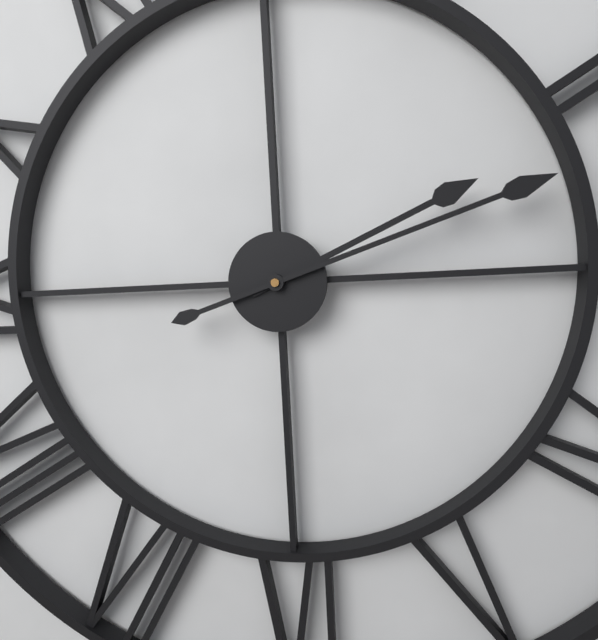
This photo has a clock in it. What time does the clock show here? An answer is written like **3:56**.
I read **2:12**
